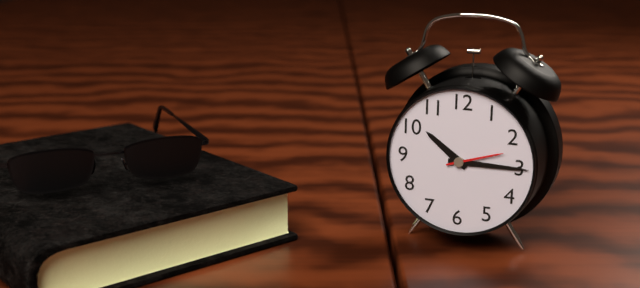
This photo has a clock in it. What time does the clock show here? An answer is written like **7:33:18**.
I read **10:15:12**
